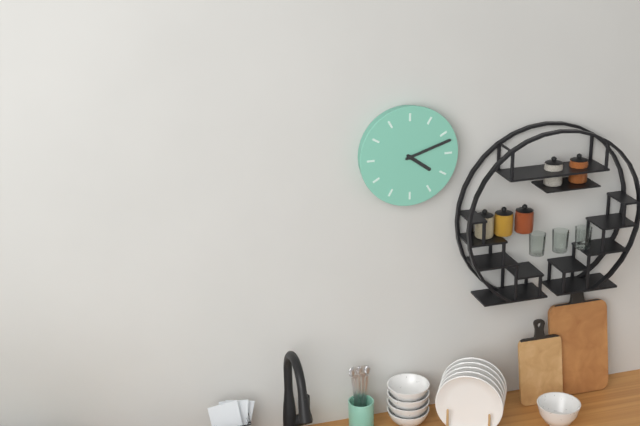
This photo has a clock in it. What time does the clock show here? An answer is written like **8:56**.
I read **4:12**
